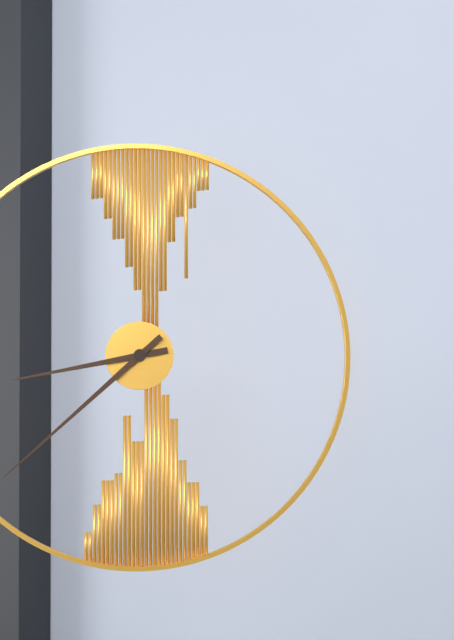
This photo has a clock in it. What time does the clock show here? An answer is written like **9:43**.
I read **8:38**
